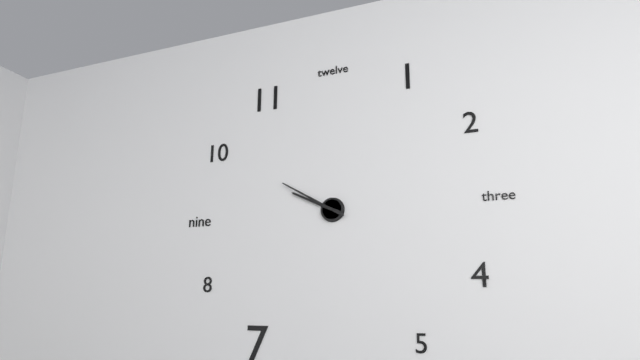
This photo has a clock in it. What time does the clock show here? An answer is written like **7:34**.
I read **9:50**
